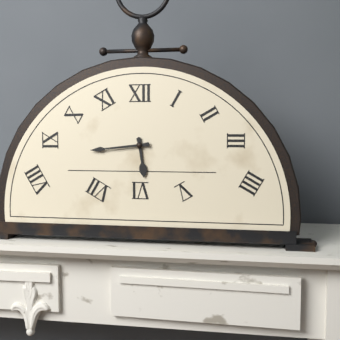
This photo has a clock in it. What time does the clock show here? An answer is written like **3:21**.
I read **5:44**
